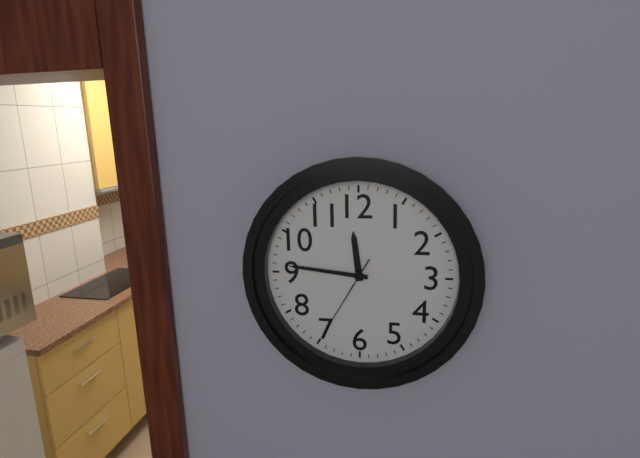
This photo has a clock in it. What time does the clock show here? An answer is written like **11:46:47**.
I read **11:46:35**
